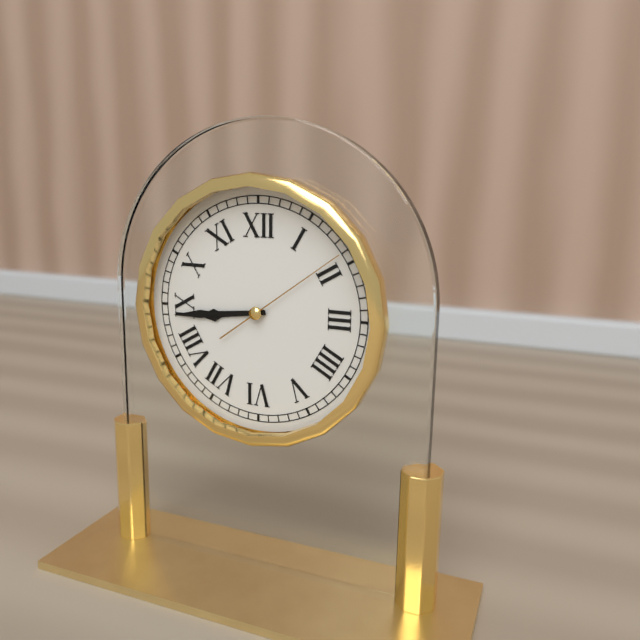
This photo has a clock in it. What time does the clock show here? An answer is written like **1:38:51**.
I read **8:44:09**
